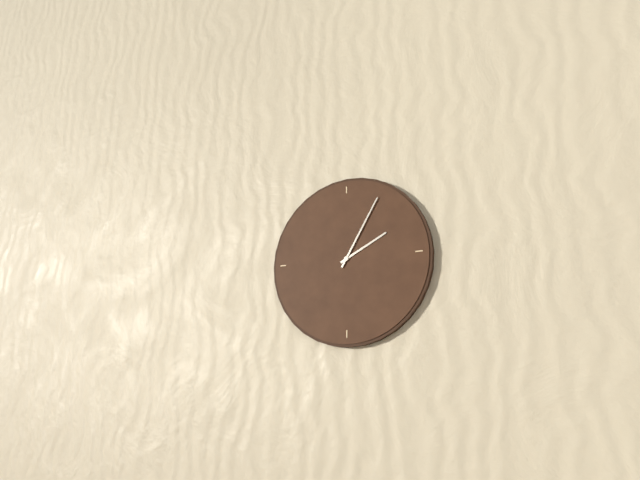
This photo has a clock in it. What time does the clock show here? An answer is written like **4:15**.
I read **2:05**
